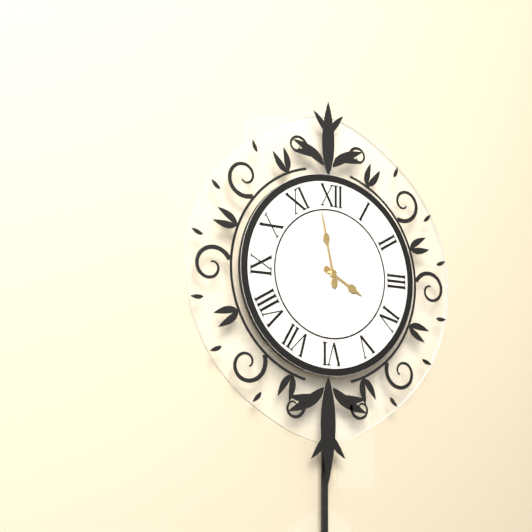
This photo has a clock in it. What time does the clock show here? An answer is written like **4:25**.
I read **3:58**
